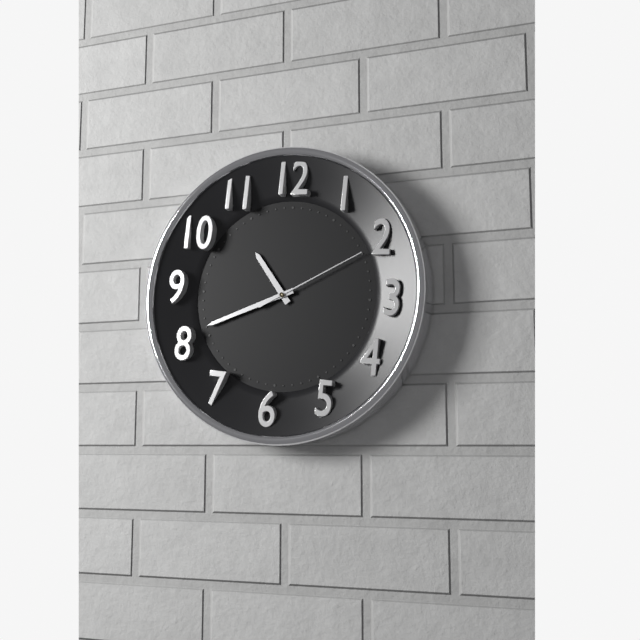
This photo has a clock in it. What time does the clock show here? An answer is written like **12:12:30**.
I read **10:41:10**
